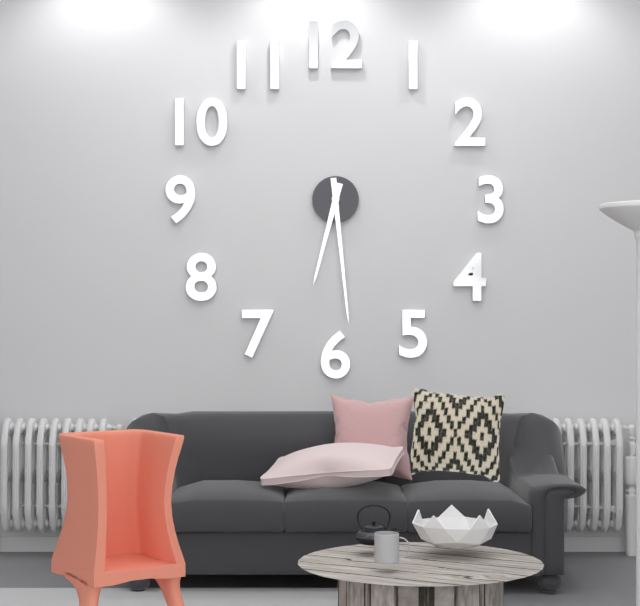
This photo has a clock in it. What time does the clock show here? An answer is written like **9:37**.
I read **6:29**
